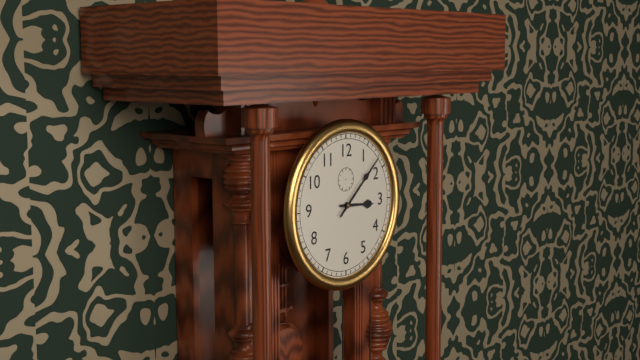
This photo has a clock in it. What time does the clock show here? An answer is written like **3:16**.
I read **3:08**
